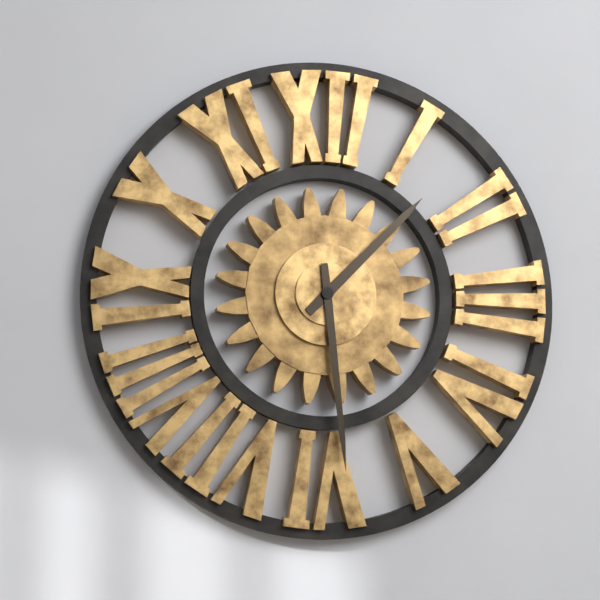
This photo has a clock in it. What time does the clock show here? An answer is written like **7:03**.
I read **1:29**
